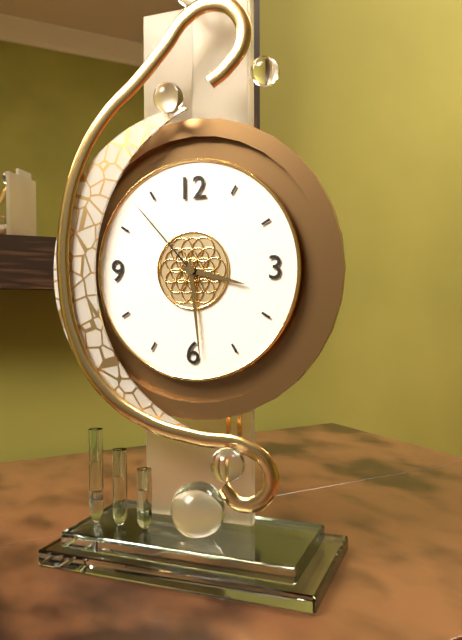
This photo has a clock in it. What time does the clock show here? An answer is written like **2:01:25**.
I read **3:29:53**
